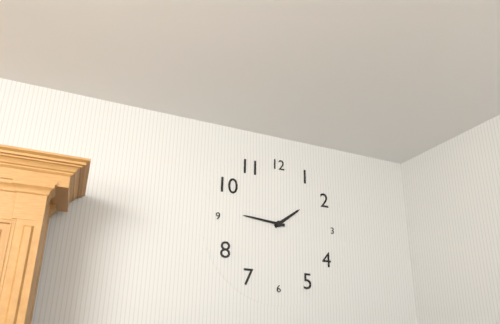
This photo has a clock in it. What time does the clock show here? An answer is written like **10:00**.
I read **1:46**
